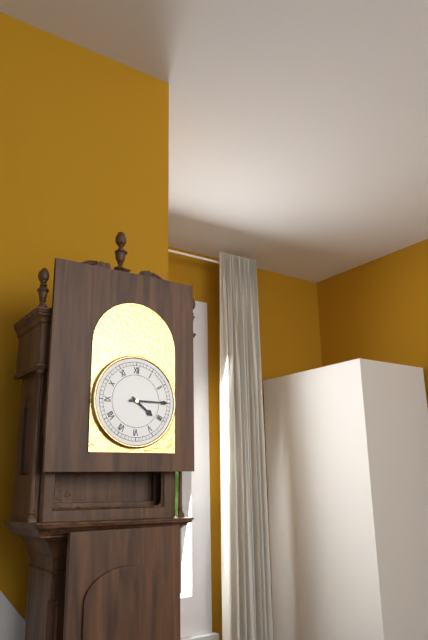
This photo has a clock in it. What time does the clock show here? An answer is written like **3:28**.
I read **4:15**
